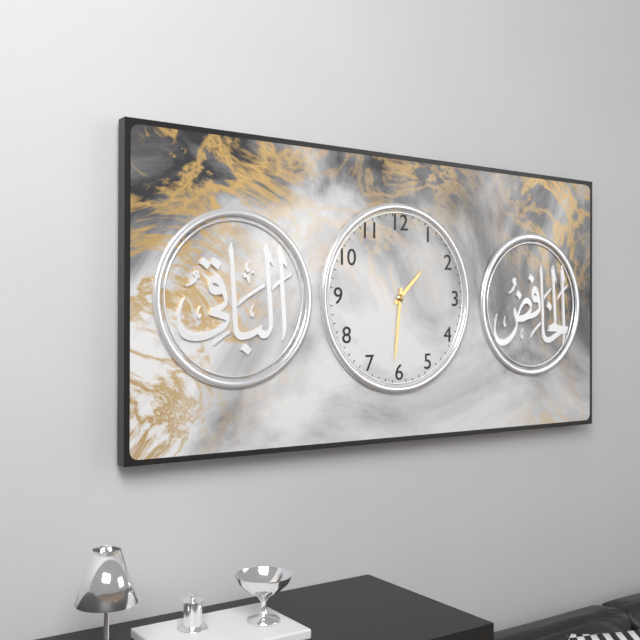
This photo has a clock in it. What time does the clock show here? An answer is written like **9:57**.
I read **1:31**
